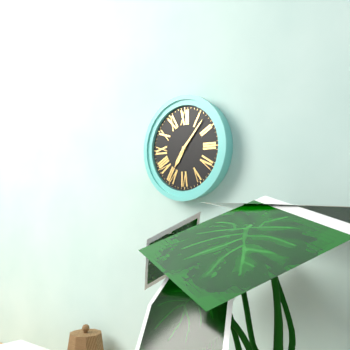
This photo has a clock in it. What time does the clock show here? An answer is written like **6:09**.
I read **7:07**
